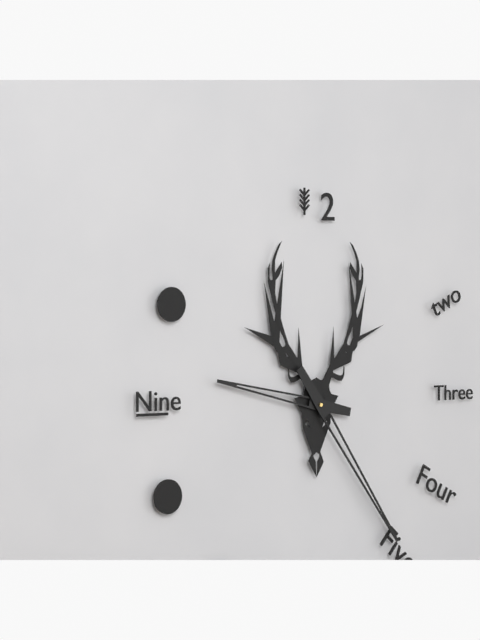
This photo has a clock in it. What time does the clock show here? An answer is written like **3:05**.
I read **9:24**
